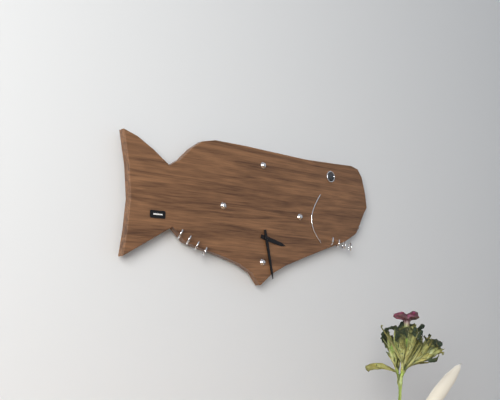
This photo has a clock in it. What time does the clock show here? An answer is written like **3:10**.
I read **3:28**
